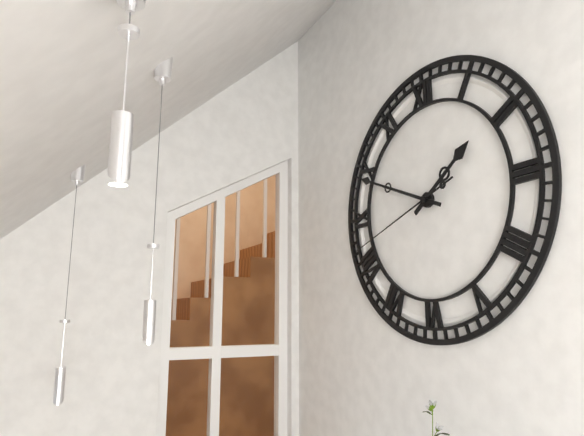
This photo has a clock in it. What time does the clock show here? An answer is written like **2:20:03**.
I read **1:49:42**
